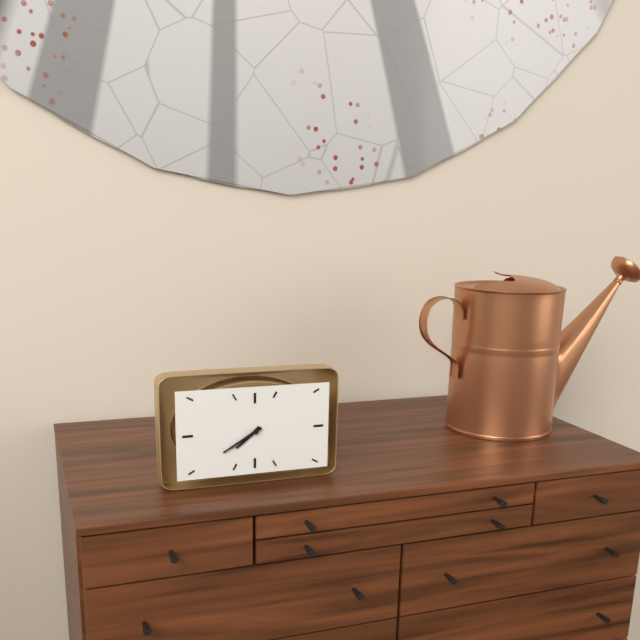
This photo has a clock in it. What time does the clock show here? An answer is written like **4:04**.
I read **7:40**
